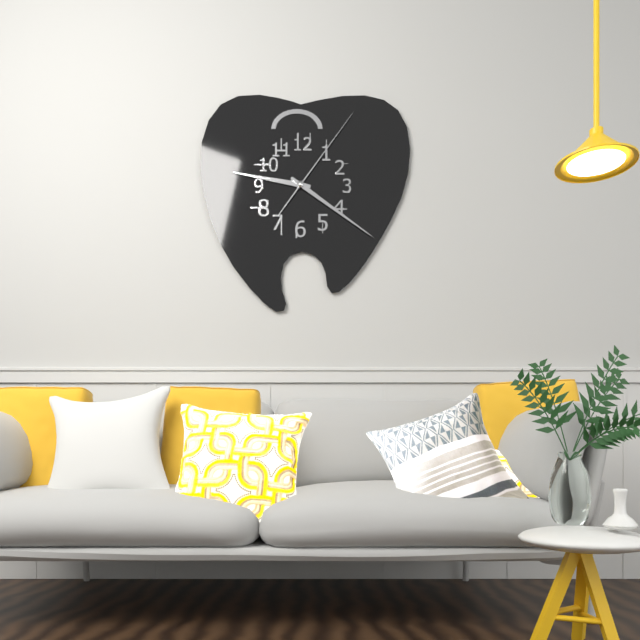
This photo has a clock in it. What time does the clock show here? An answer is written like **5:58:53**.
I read **9:21:06**
